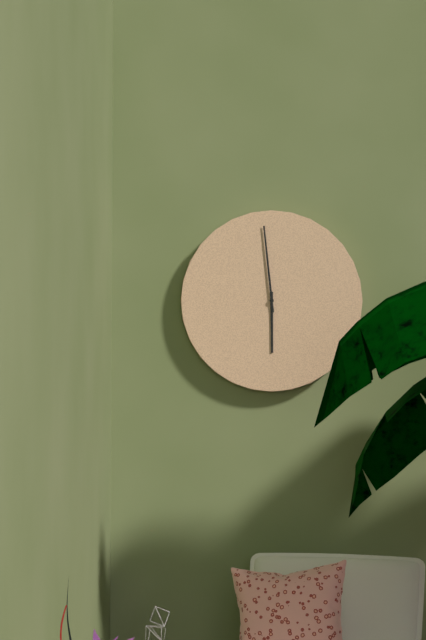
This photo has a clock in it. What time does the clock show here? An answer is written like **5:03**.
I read **5:59**
